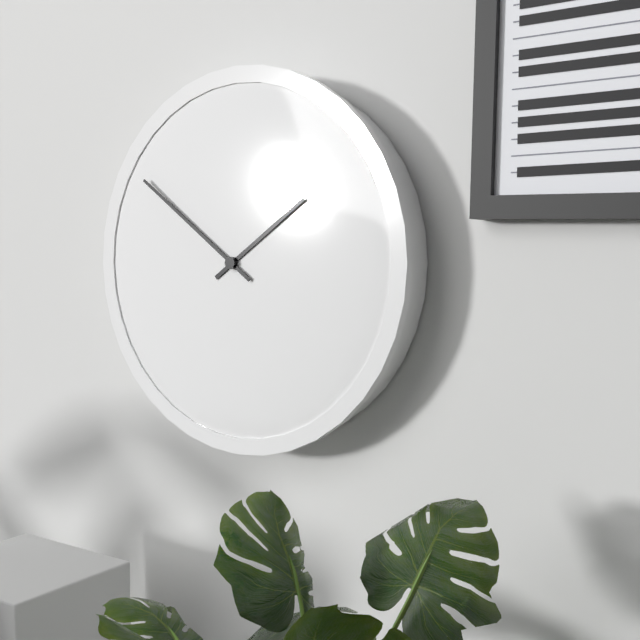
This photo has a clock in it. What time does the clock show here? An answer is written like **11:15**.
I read **1:51**
